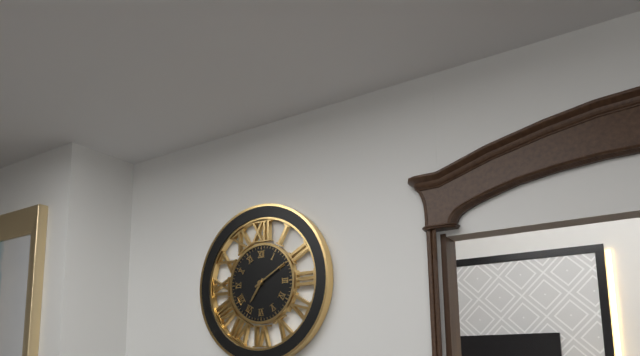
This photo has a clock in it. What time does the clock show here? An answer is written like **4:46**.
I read **7:10**
